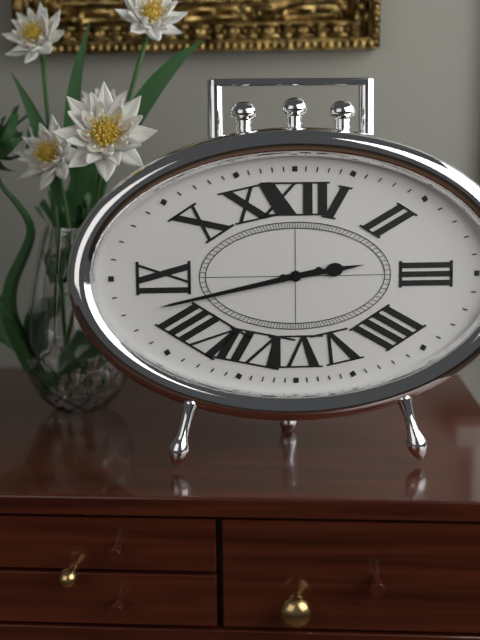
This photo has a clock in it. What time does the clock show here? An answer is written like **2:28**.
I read **2:43**
